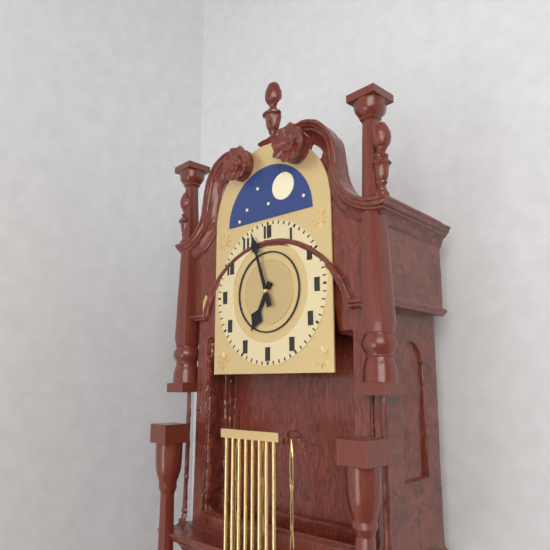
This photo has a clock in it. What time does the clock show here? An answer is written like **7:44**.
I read **6:57**
